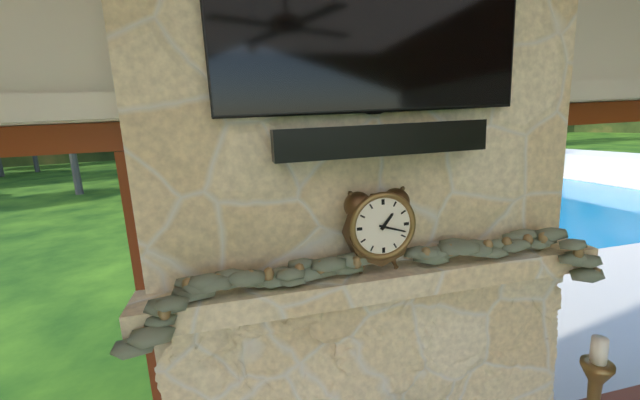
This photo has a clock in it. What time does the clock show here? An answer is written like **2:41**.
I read **1:18**
